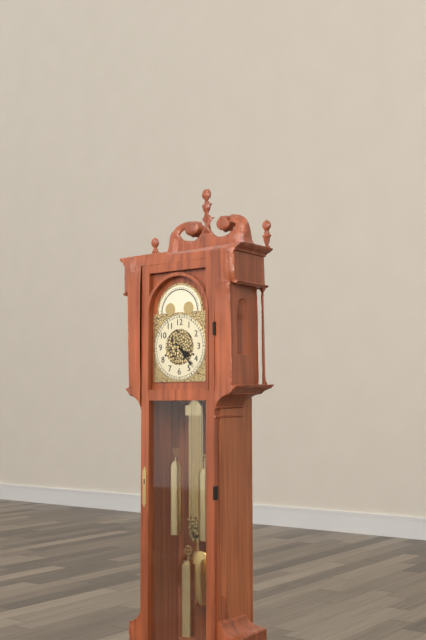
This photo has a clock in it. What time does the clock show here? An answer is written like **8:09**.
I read **4:23**
